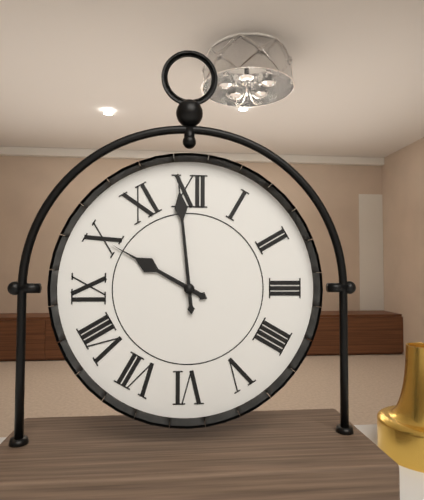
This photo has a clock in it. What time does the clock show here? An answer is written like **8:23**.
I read **9:59**
